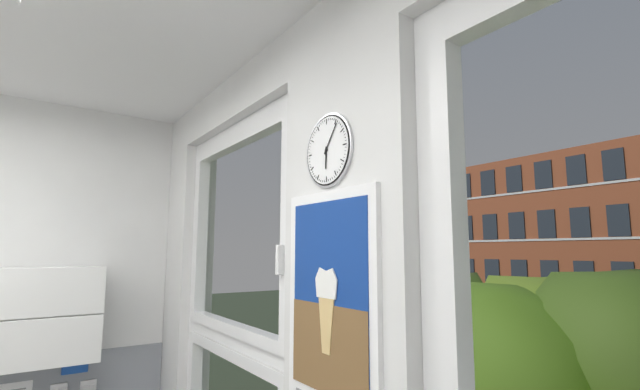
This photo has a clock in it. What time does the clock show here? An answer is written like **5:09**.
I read **6:06**
